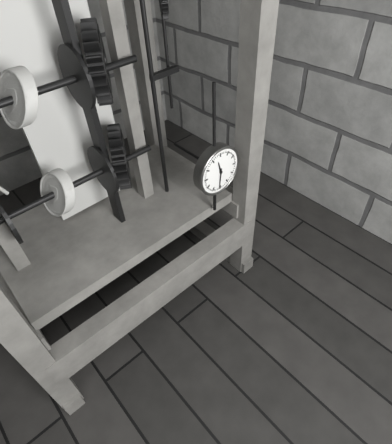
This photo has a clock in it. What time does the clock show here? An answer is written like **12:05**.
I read **11:31**
